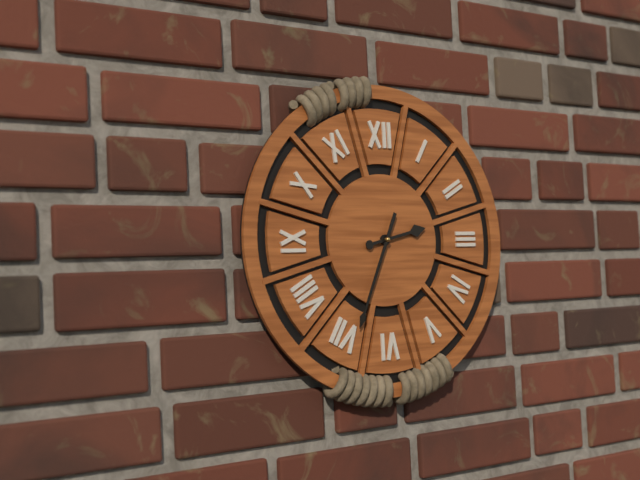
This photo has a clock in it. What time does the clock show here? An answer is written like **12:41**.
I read **2:34**
